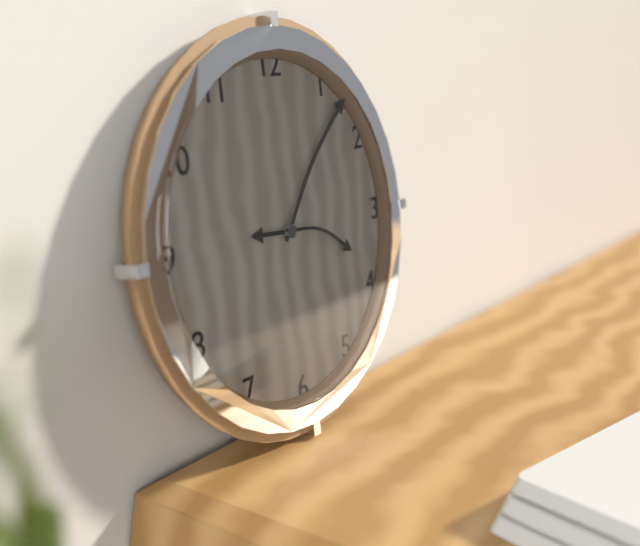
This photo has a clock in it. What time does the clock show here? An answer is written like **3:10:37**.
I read **9:07:18**
